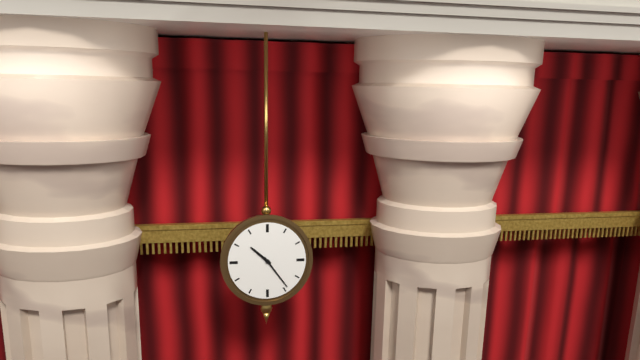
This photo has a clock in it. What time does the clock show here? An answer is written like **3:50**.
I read **10:24**
